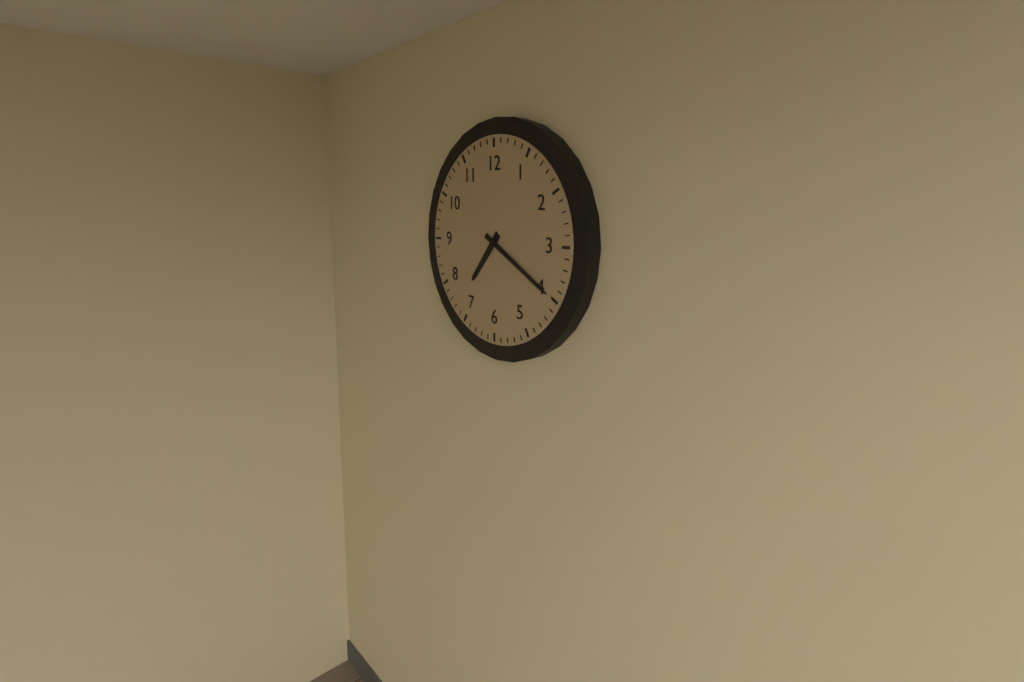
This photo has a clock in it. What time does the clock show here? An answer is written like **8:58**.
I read **7:20**
